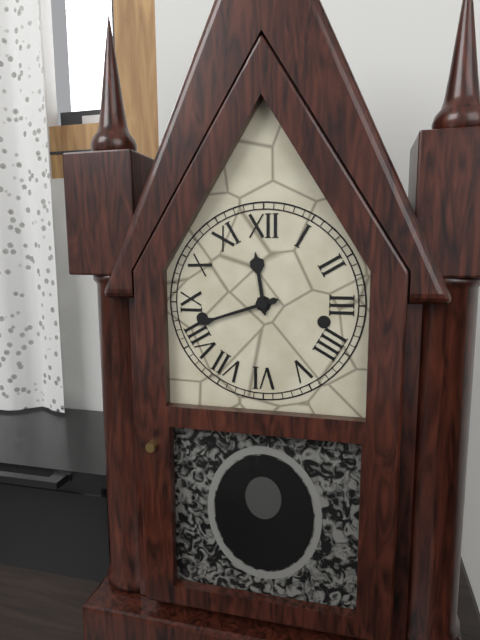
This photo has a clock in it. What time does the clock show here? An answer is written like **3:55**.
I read **11:42**
